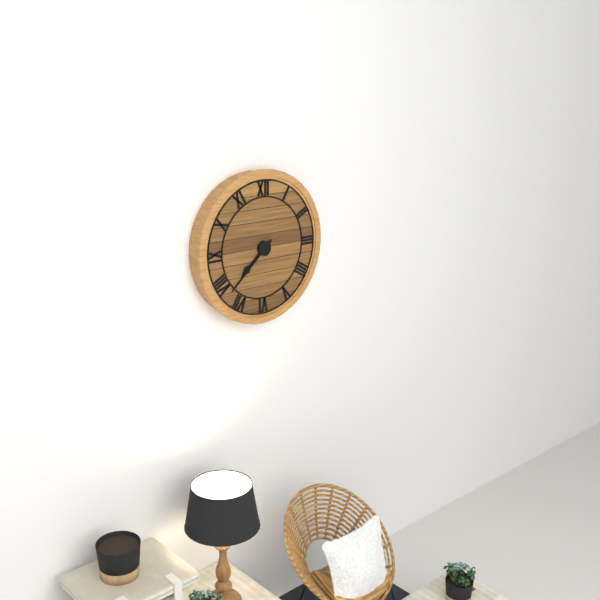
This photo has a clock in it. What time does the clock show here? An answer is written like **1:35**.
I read **7:38**
